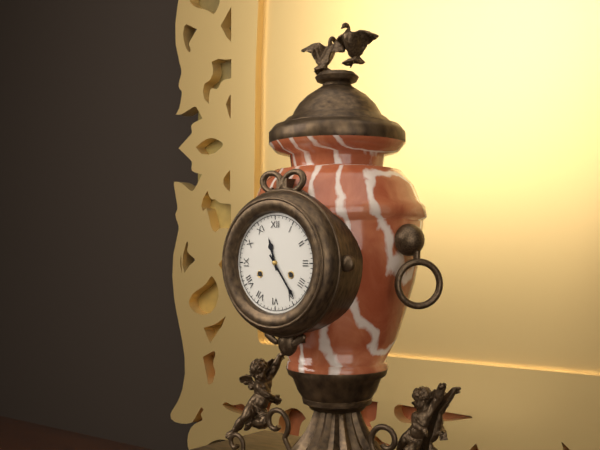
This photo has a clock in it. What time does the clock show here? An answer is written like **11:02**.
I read **11:24**
